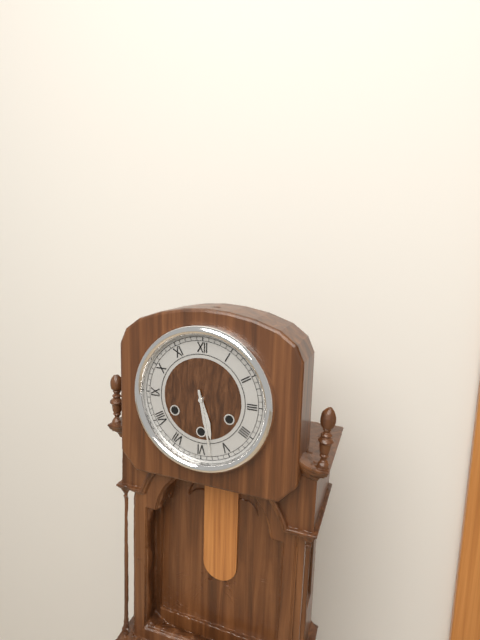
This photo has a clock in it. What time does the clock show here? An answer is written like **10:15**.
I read **5:28**
